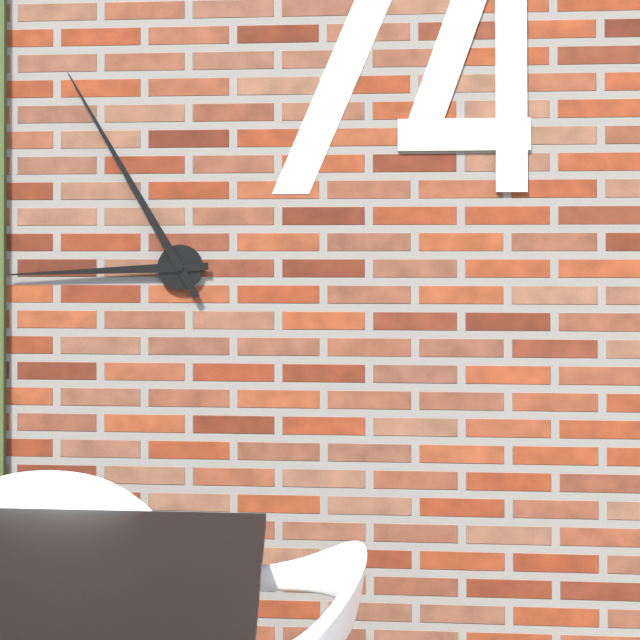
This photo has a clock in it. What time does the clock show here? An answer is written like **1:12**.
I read **8:55**
